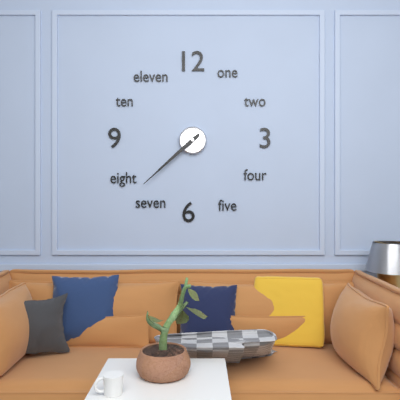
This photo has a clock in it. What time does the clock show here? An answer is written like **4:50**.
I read **7:38**
